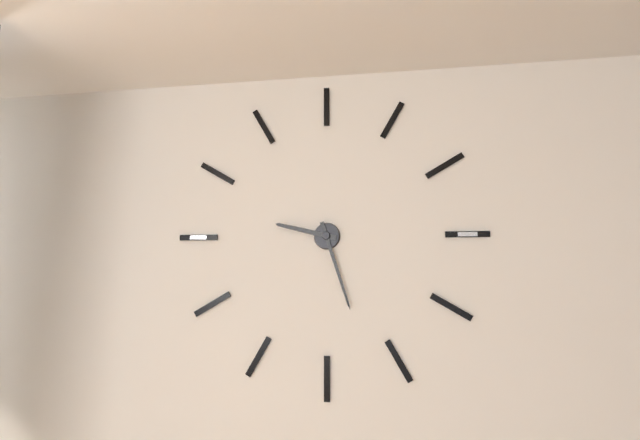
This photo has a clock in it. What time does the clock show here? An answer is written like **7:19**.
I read **9:27**
